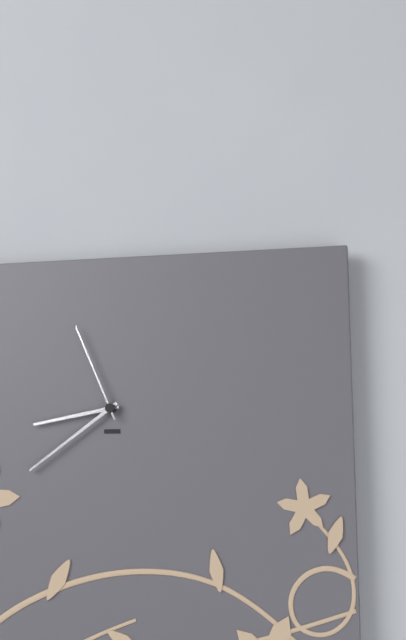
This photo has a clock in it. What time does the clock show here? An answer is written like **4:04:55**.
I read **8:39:56**
